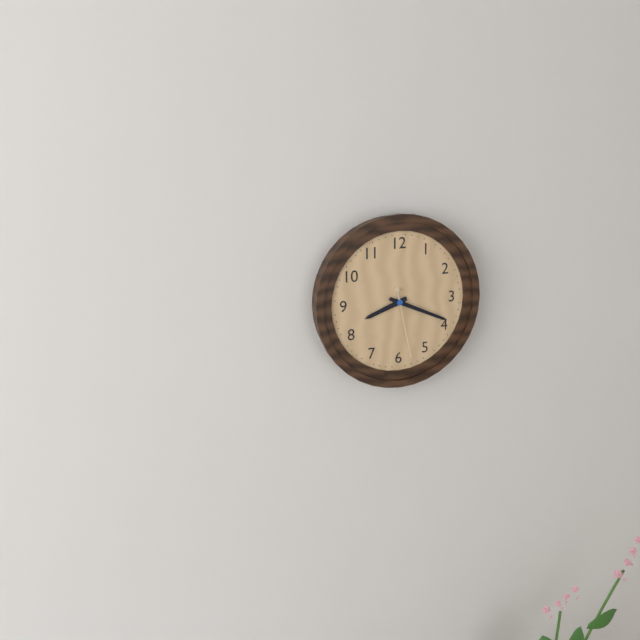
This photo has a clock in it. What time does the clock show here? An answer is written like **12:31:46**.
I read **8:19:28**
